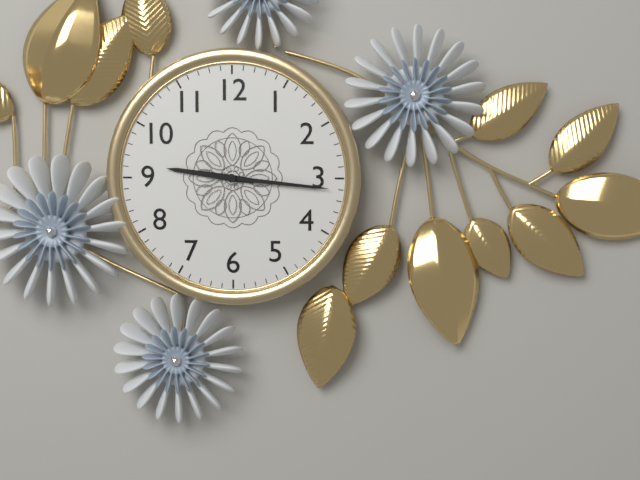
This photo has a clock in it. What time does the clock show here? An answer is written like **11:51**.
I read **9:16**
